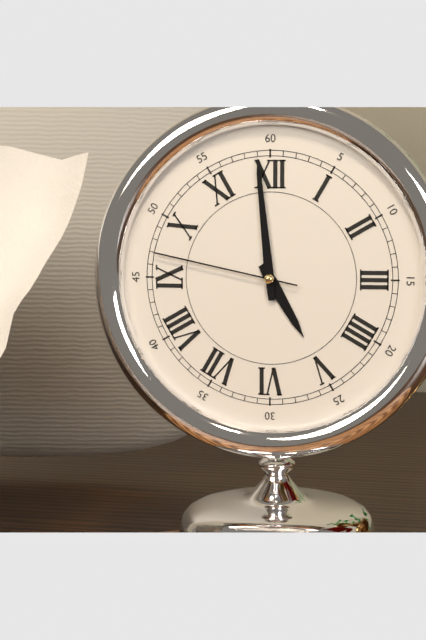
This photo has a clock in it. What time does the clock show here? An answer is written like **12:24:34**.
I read **4:59:47**
